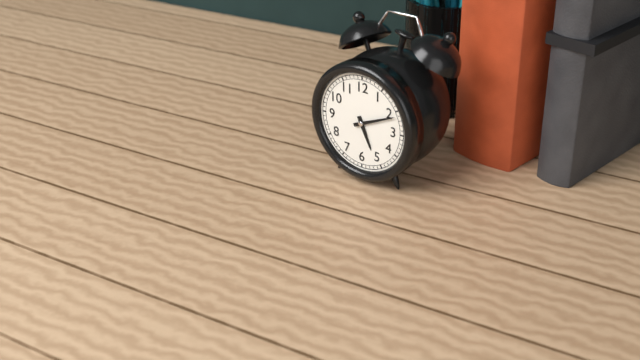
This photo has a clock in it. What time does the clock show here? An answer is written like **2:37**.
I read **5:11**
